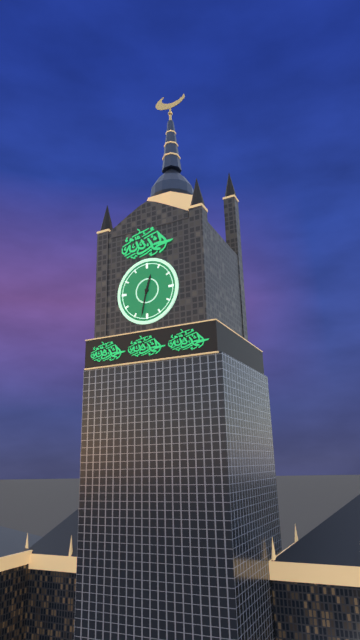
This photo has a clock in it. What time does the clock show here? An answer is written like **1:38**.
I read **12:32**
